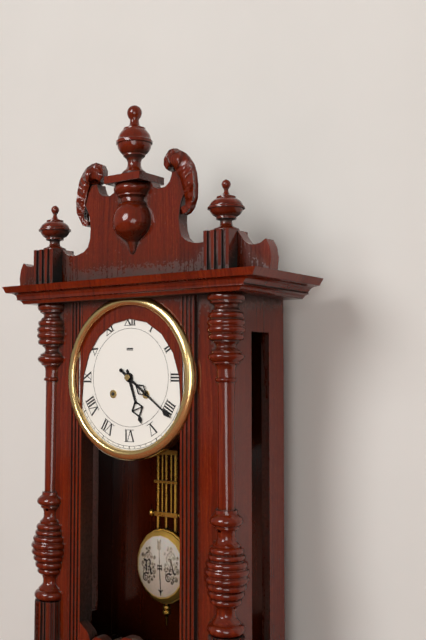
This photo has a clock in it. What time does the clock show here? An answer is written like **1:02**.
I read **5:21**
